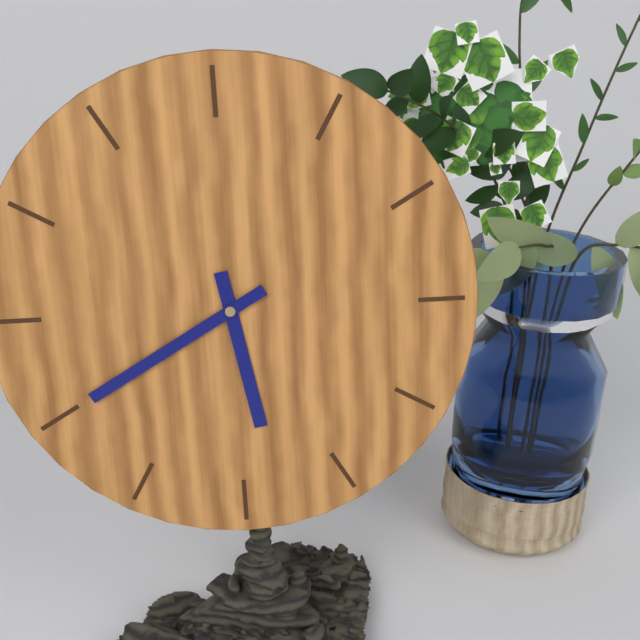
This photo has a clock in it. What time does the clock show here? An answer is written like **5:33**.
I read **5:40**
